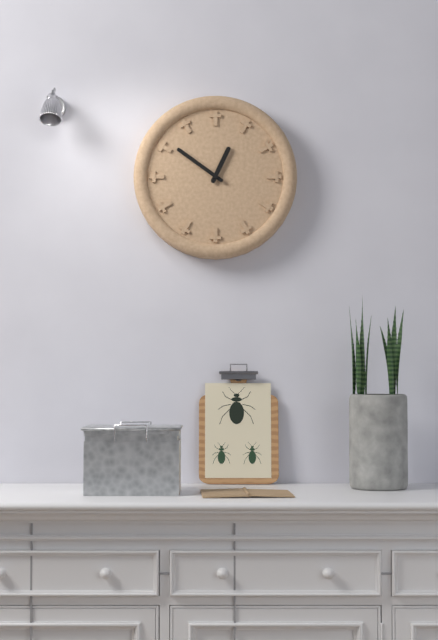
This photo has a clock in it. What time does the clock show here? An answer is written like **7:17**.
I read **12:51**
